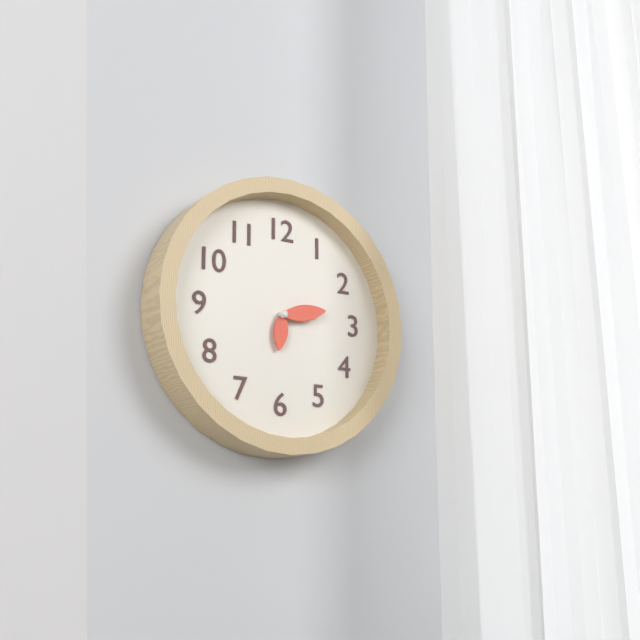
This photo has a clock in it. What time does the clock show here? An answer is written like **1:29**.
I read **6:13**
